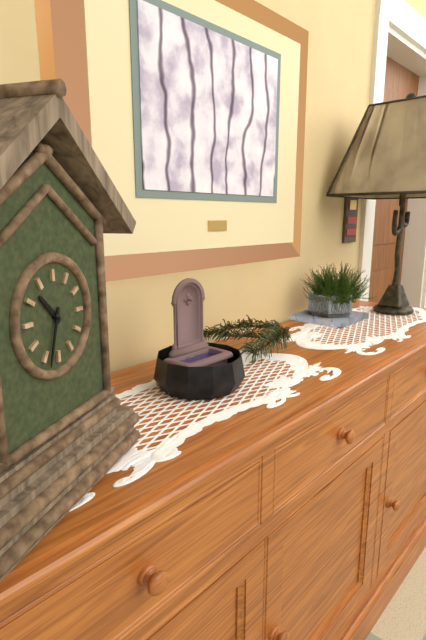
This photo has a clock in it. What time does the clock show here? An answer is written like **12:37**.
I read **10:33**
